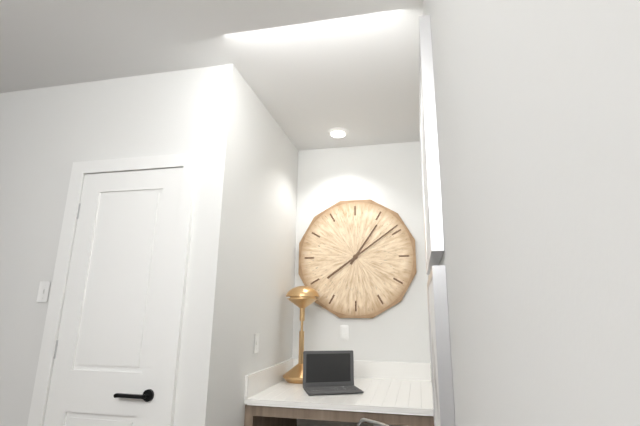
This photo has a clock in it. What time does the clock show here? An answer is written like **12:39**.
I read **1:09**
